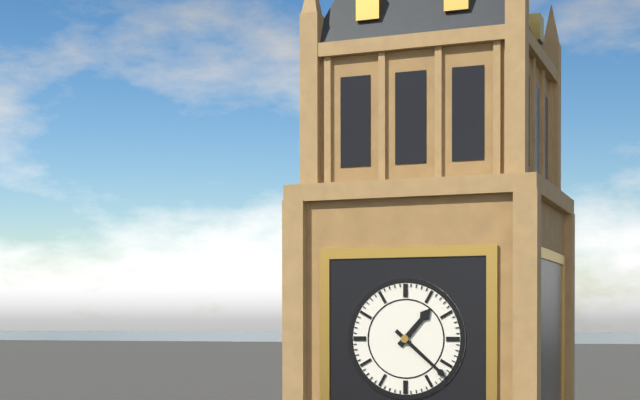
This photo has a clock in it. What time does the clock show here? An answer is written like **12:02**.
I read **1:22**
